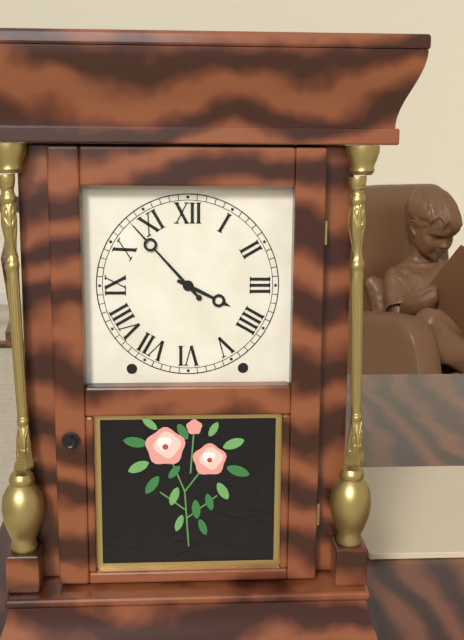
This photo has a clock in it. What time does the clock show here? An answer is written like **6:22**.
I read **3:53**
